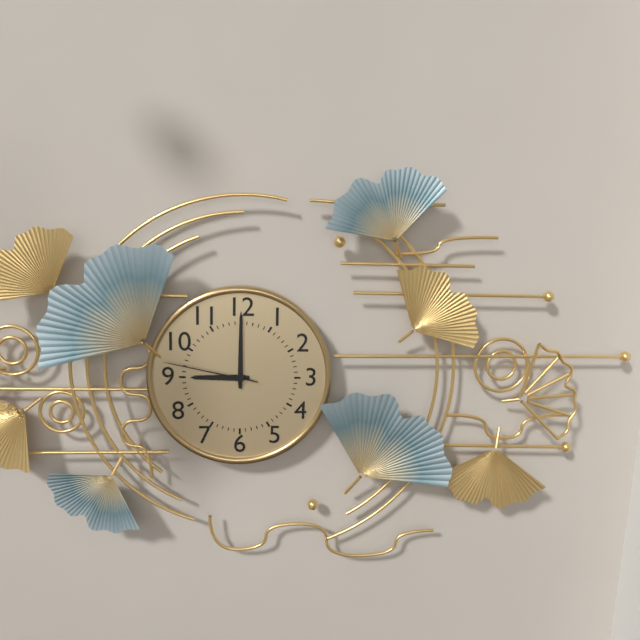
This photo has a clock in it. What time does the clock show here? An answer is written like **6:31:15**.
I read **9:00:47**
